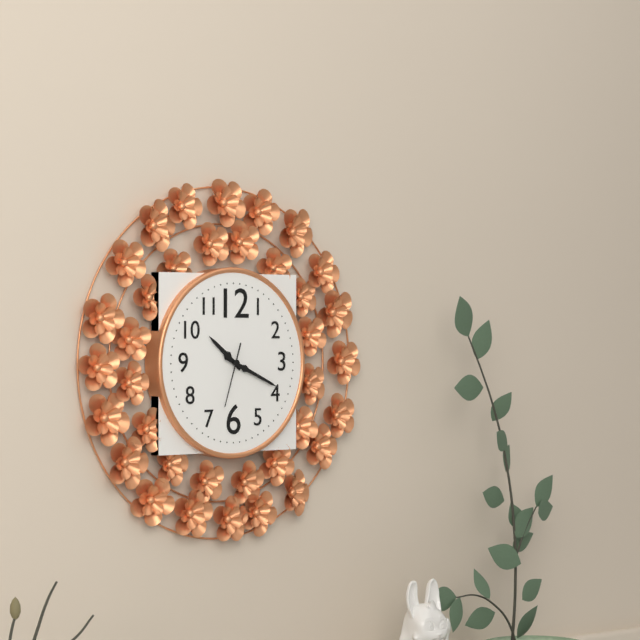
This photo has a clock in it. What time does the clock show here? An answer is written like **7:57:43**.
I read **10:19:33**
